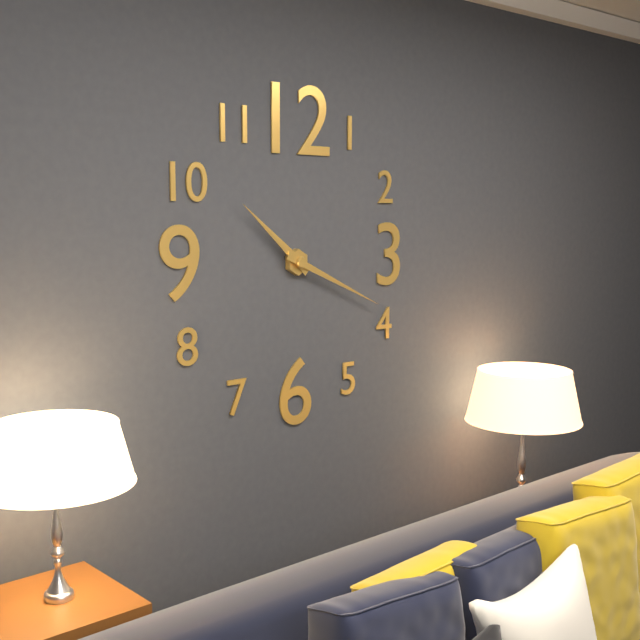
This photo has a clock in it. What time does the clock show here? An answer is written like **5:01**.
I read **10:19**
